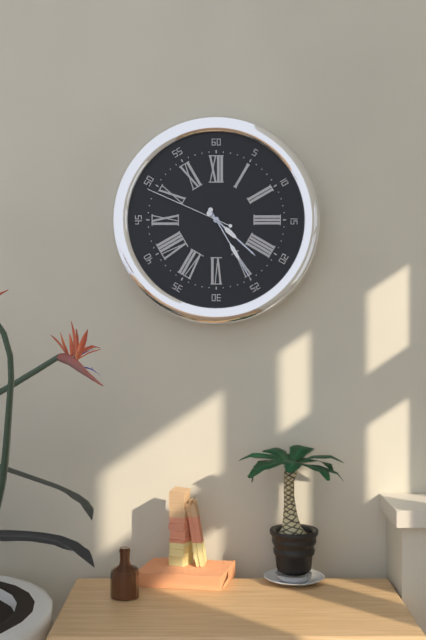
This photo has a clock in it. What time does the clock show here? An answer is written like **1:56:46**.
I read **4:25:49**
